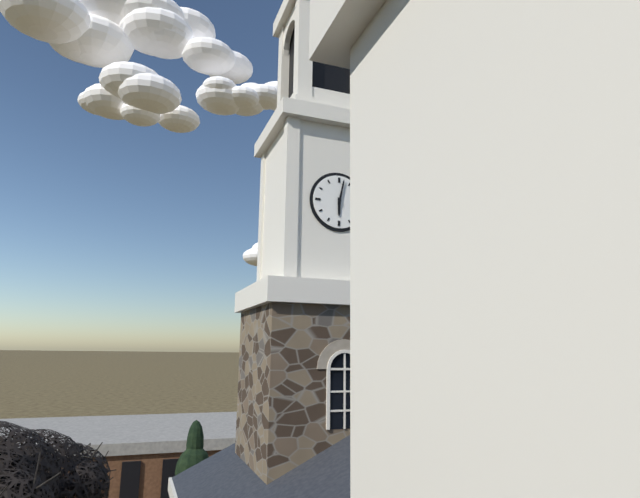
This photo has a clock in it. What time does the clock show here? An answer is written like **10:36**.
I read **6:02**
